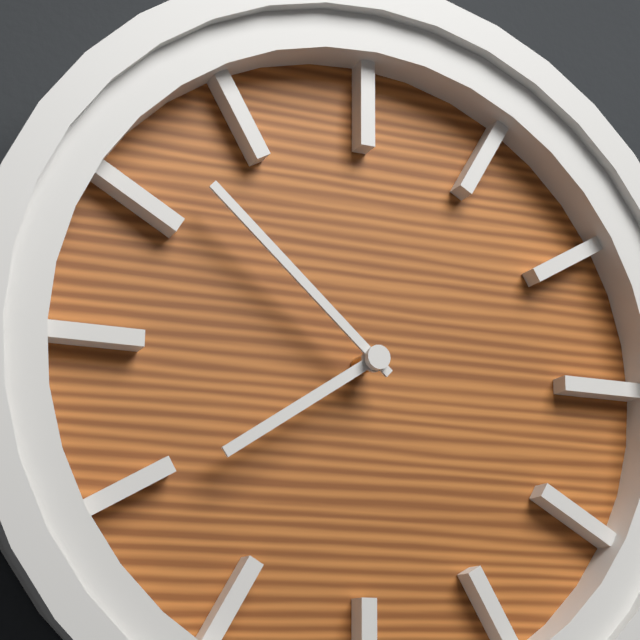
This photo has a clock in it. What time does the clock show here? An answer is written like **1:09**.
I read **7:52**
